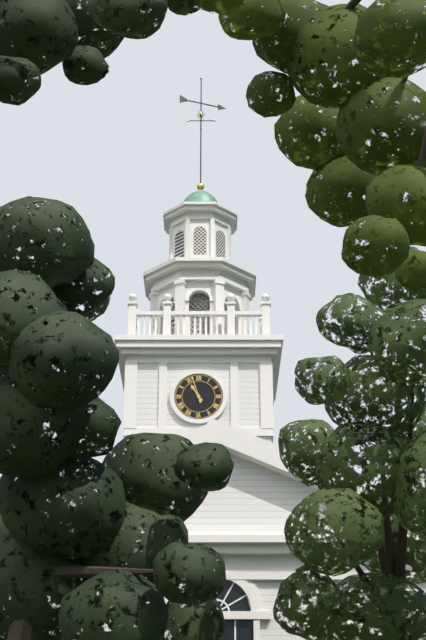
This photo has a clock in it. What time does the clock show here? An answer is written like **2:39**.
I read **10:57**
